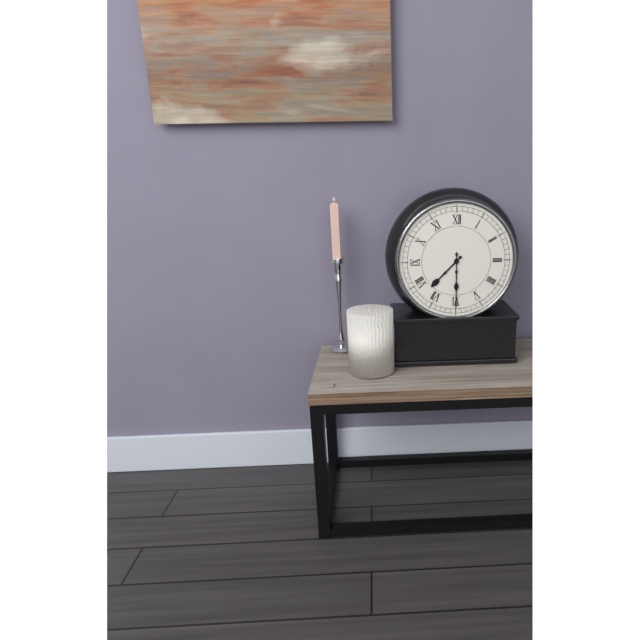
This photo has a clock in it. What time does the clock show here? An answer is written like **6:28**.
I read **7:30**
